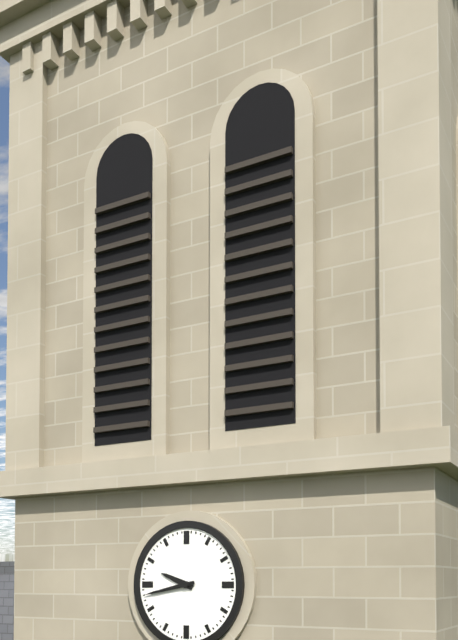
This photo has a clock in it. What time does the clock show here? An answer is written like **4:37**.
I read **9:43**
